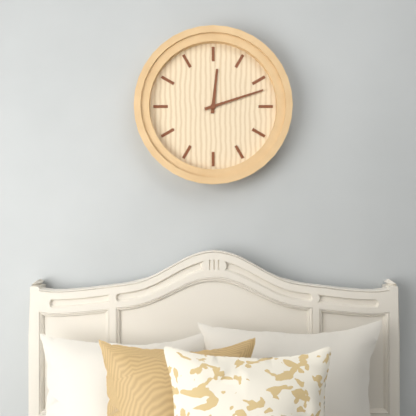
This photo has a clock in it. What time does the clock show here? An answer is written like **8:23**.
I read **12:12**
